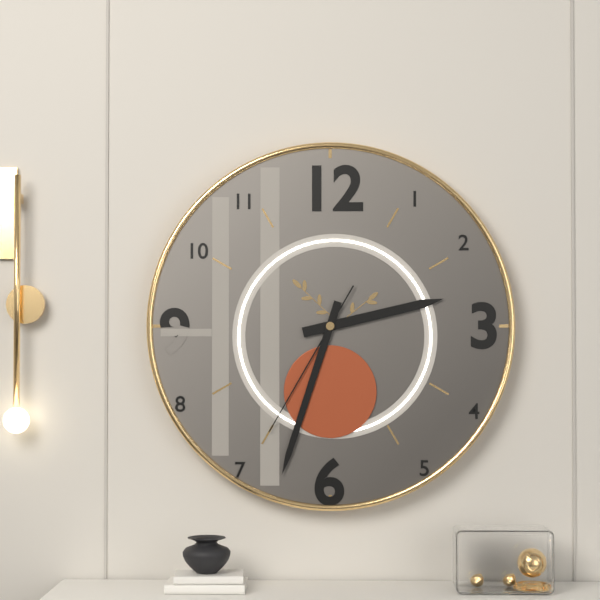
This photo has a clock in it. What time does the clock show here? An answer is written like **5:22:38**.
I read **2:33:35**
